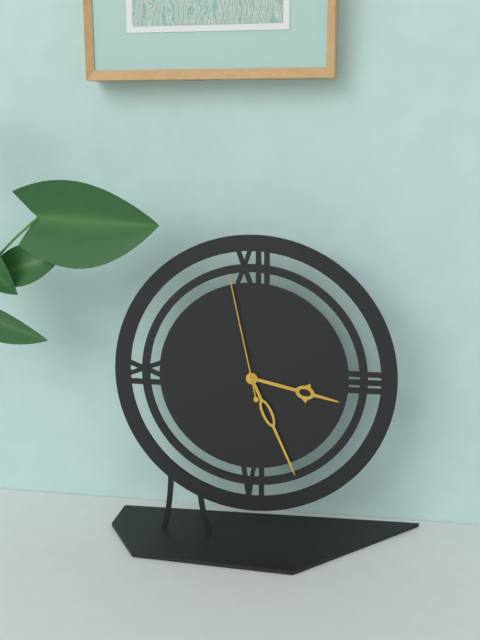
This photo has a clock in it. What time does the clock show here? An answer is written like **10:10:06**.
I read **3:26:58**
